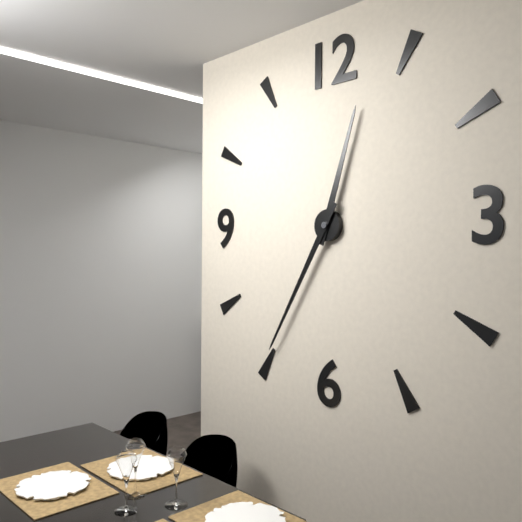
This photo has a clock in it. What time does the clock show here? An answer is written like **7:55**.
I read **12:35**
